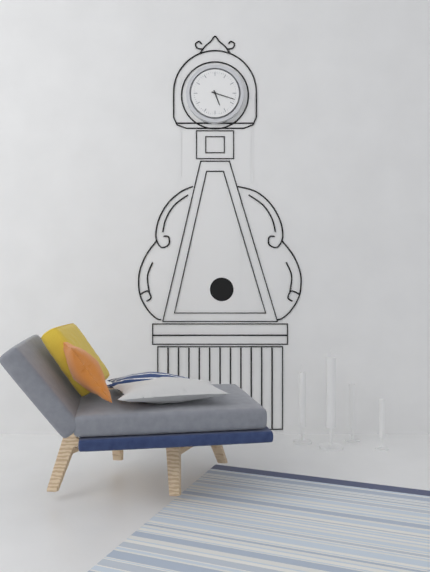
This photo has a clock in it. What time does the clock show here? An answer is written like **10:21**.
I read **5:18**
